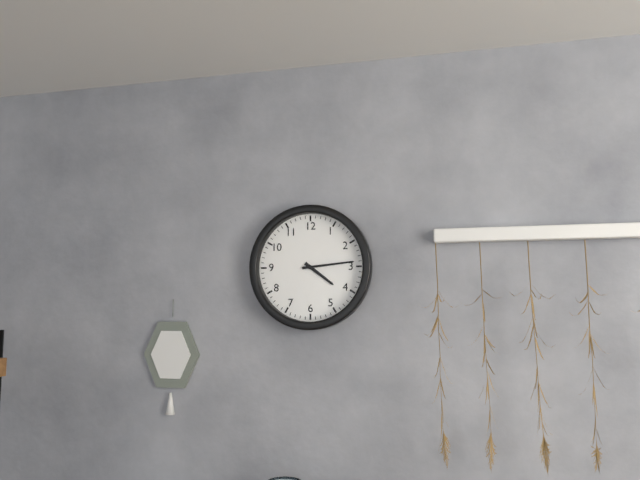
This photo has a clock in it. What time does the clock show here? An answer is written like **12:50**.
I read **4:14**
